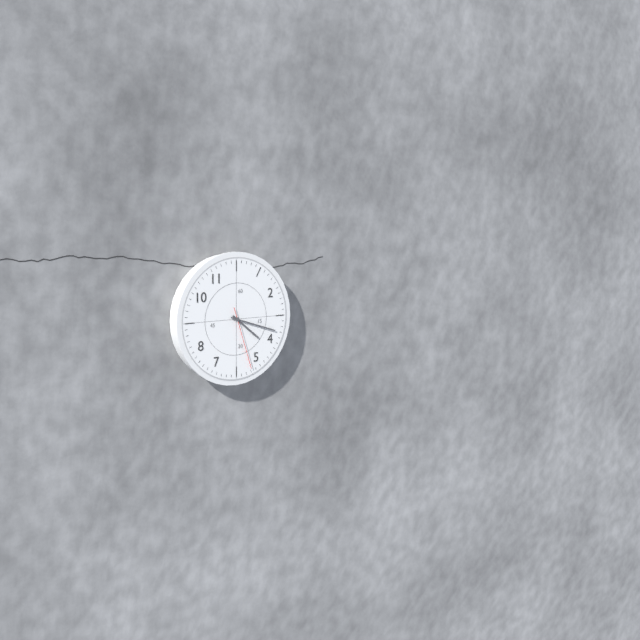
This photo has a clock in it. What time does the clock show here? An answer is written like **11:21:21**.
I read **4:18:27**
